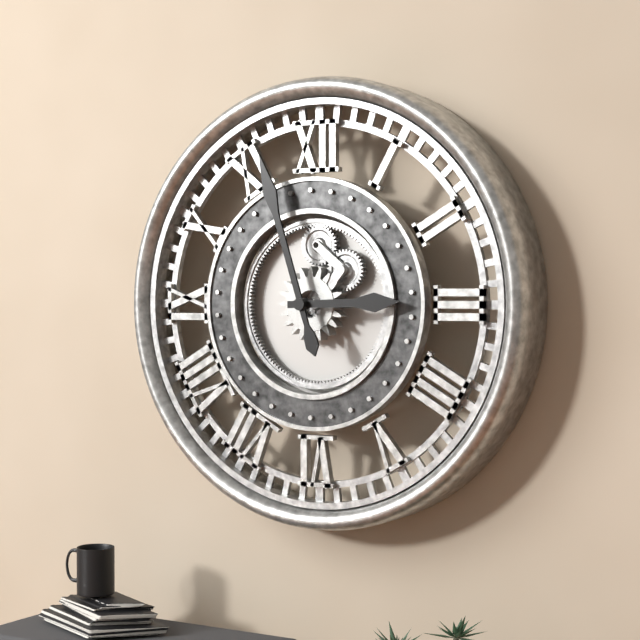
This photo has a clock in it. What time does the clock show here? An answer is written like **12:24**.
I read **2:57**
